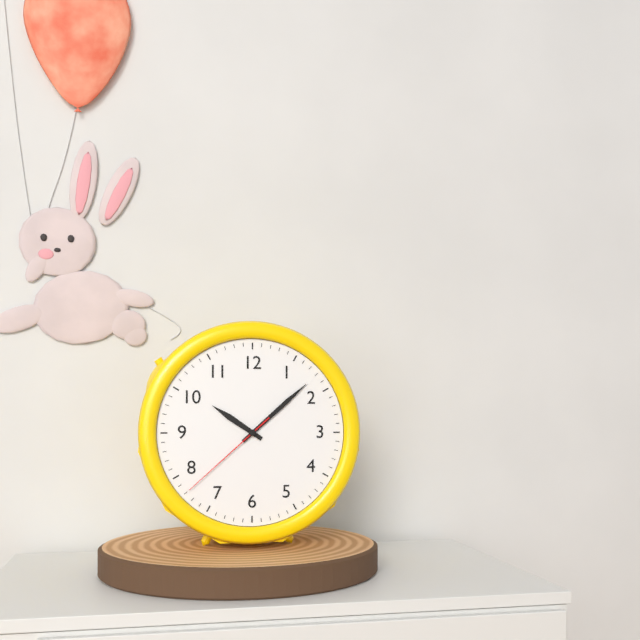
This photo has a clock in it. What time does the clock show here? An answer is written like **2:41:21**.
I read **10:08:38**
